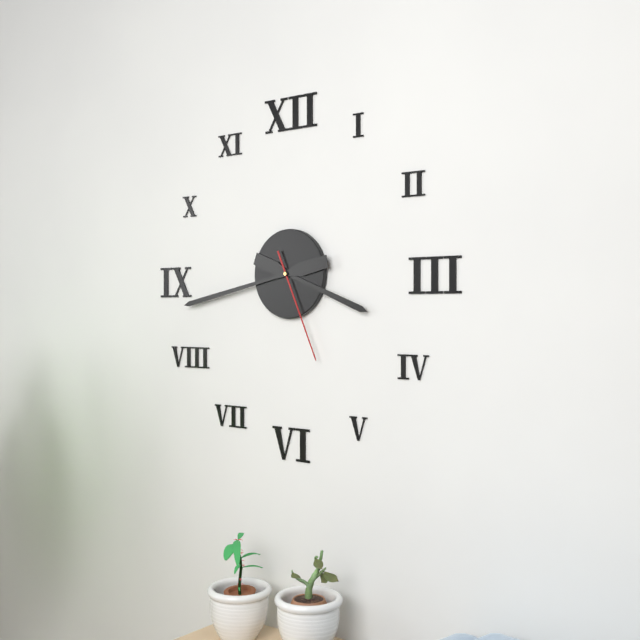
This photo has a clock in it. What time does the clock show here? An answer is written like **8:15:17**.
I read **3:43:26**
